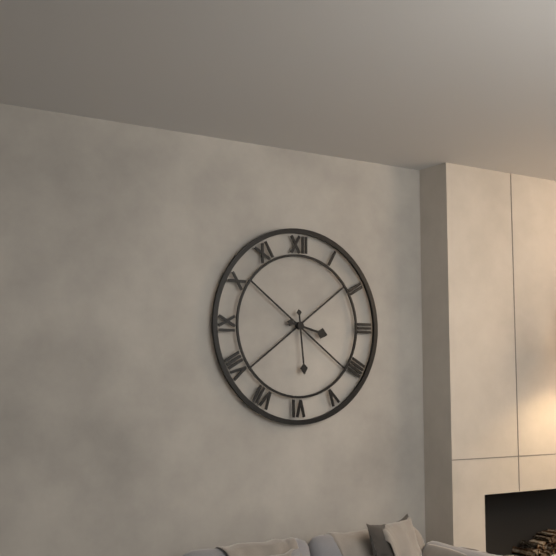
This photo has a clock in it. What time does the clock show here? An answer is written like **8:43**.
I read **3:29**
